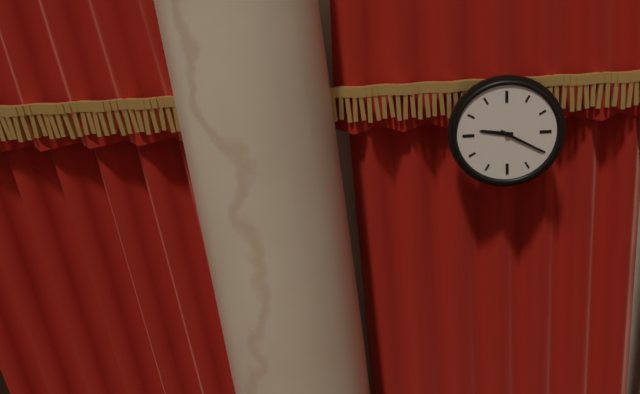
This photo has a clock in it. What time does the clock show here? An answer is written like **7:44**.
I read **9:20**
